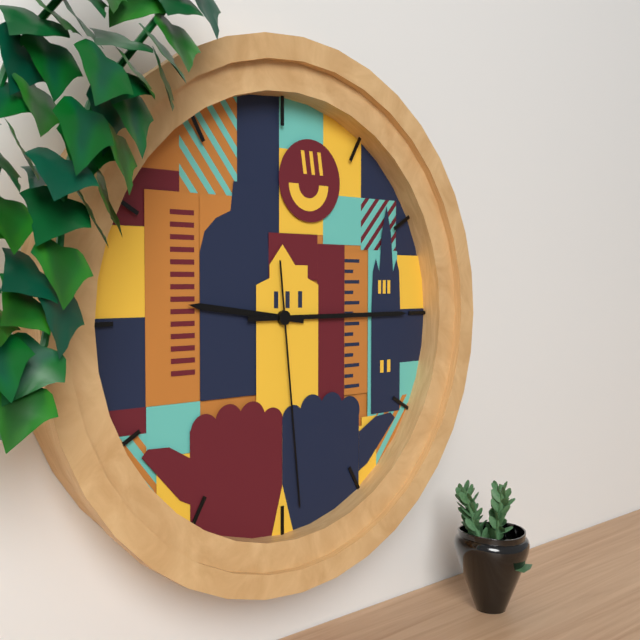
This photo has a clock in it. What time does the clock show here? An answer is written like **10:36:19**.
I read **9:15:29**
